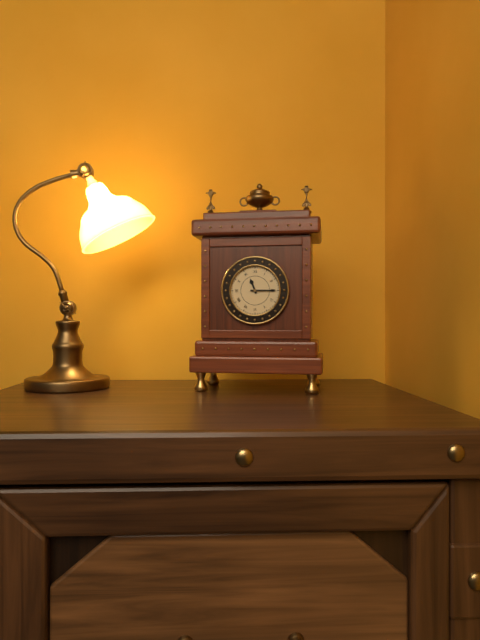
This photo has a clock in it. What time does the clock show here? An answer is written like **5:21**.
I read **11:15**
